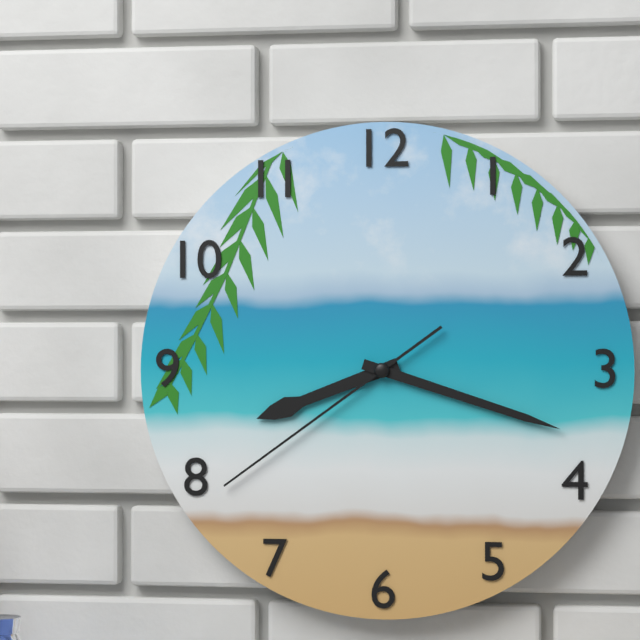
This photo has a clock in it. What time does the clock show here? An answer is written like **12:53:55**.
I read **8:18:39**
